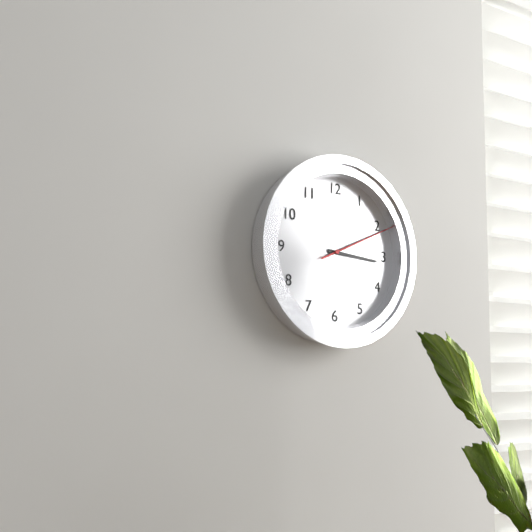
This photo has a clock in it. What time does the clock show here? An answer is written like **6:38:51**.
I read **3:11:11**
